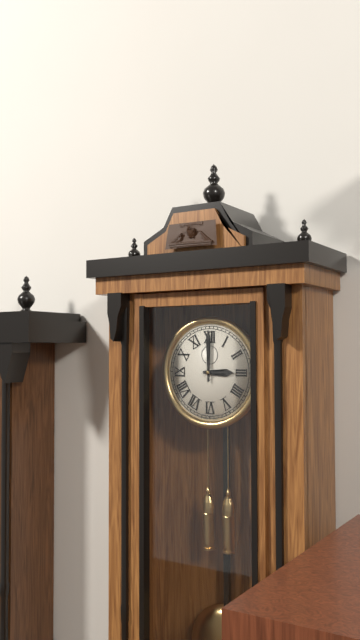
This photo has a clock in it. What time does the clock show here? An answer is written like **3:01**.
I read **3:00**
